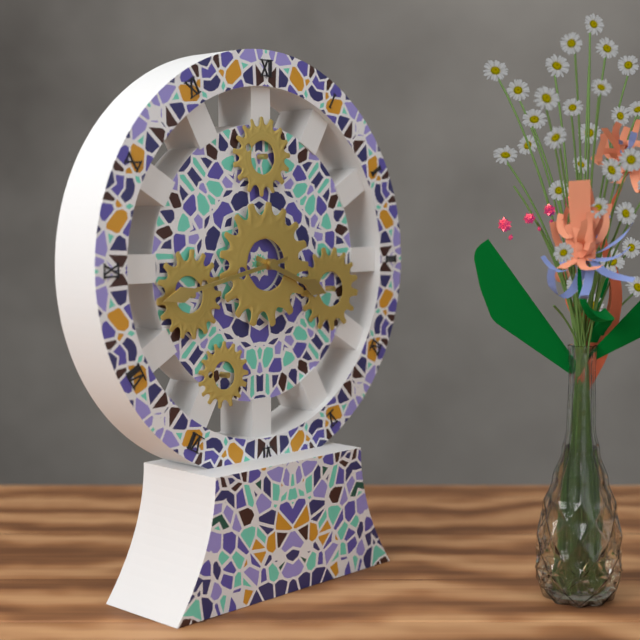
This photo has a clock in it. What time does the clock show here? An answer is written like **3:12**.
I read **3:43**
